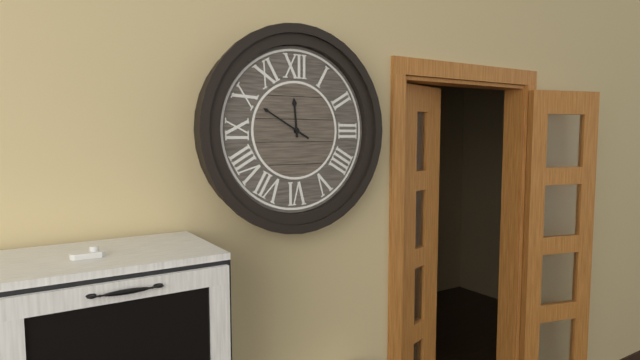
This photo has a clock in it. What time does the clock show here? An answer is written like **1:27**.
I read **11:50**
